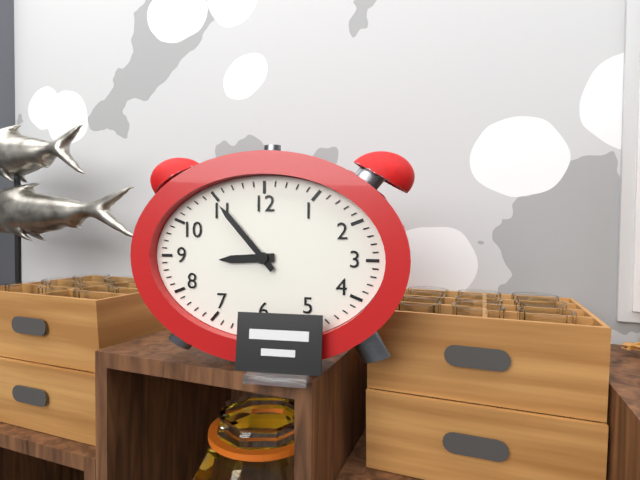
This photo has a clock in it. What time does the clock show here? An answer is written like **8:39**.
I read **8:53**
